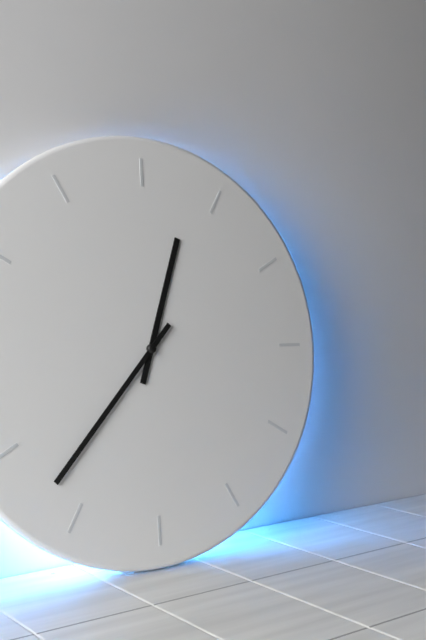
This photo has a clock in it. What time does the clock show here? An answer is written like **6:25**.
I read **12:37**
